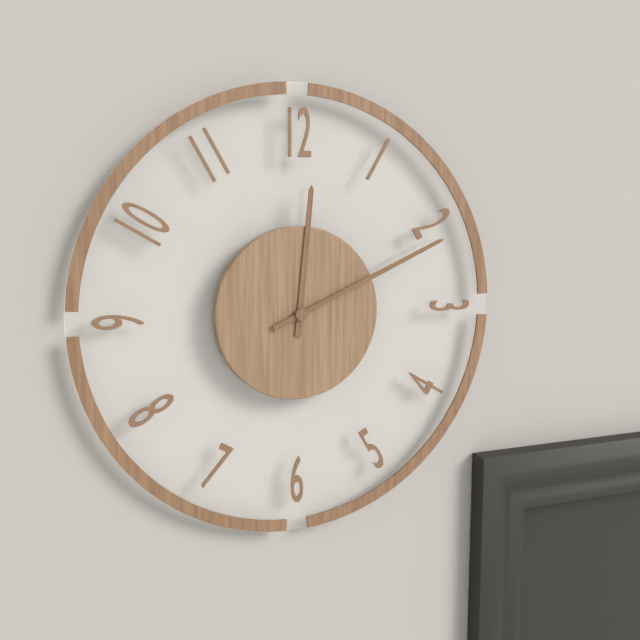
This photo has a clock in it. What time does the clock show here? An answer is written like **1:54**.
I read **12:11**
